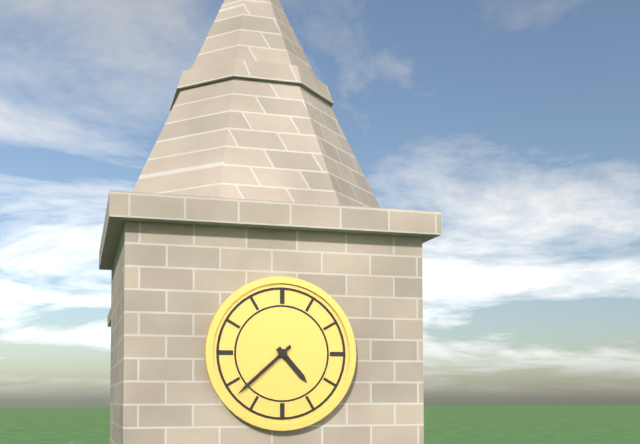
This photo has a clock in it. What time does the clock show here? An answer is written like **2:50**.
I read **4:38**
